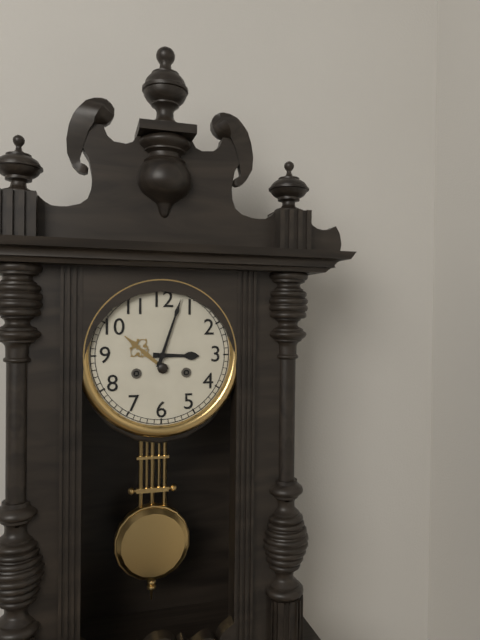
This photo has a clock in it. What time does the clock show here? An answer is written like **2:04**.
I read **3:03**
